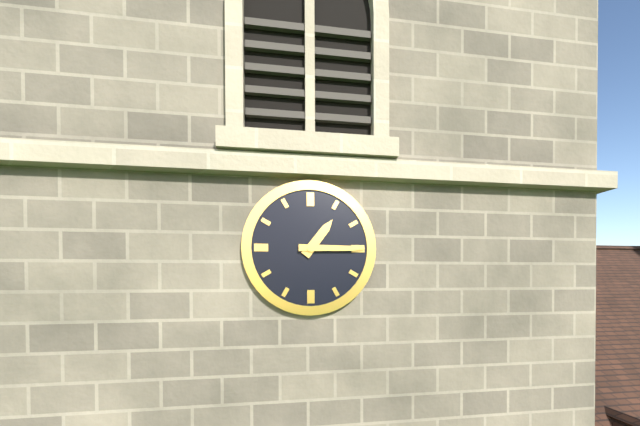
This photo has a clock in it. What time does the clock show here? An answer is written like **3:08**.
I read **1:15**
